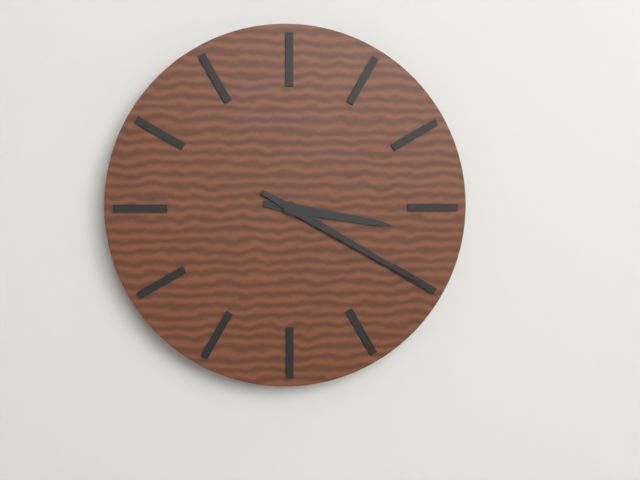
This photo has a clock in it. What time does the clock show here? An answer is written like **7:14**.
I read **3:20**
